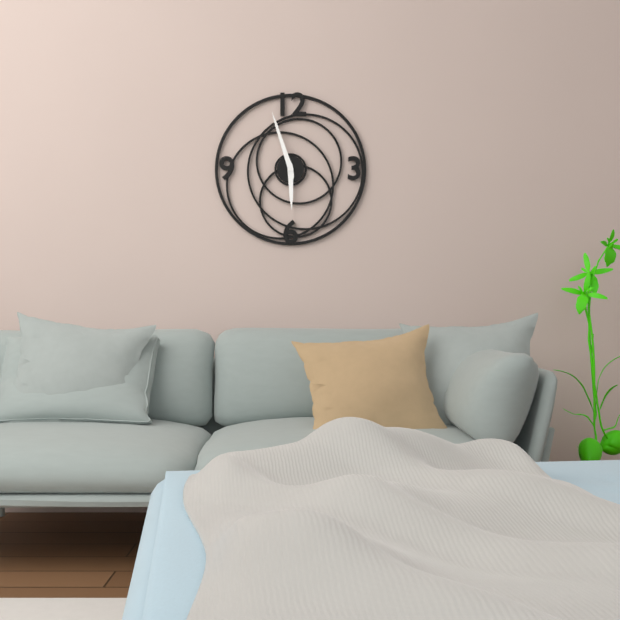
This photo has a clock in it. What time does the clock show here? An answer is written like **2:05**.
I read **5:57**
